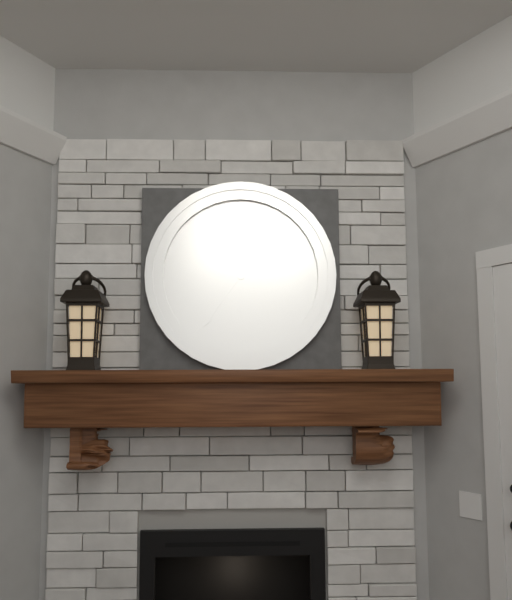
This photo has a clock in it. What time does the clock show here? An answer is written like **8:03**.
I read **8:36**
